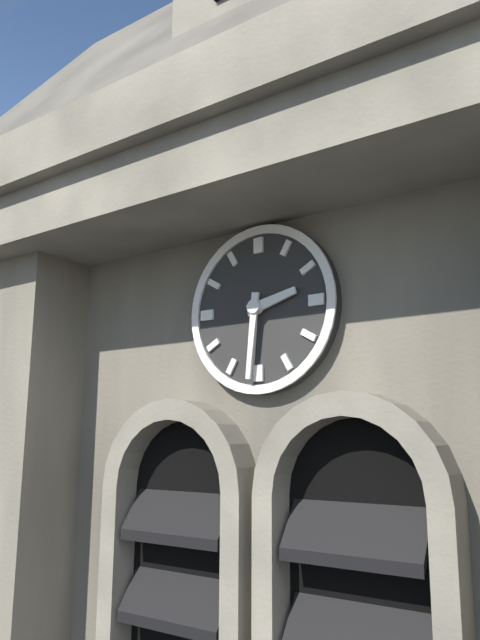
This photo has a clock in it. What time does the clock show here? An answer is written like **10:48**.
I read **2:31**
